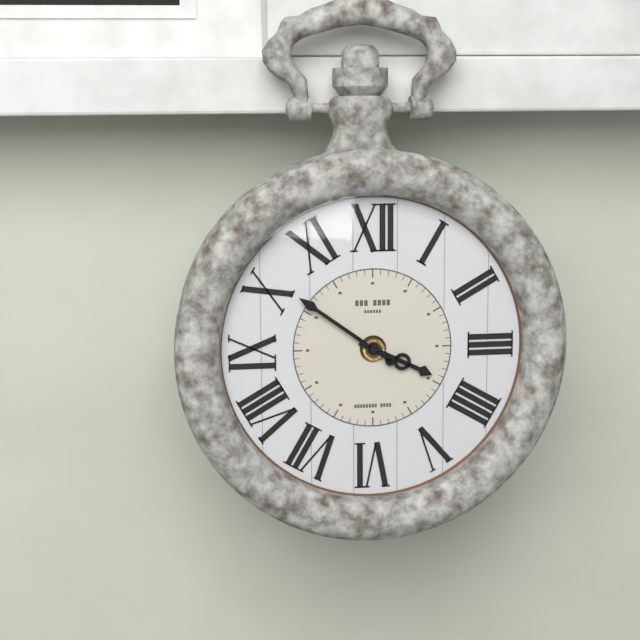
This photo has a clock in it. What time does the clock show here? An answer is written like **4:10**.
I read **3:51**
